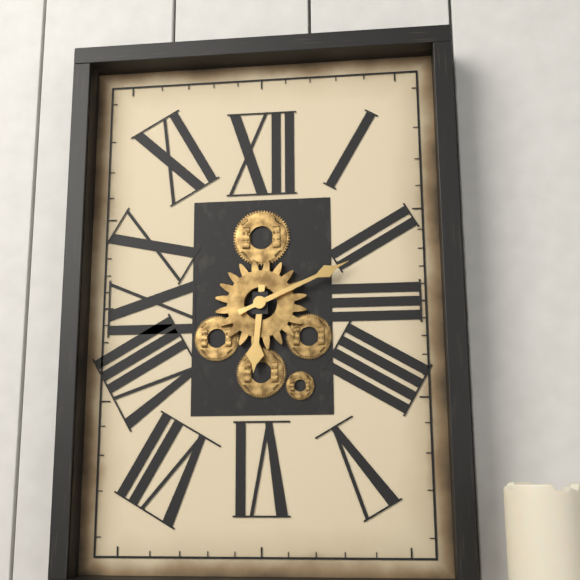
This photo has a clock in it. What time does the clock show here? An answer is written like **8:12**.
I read **6:11**
